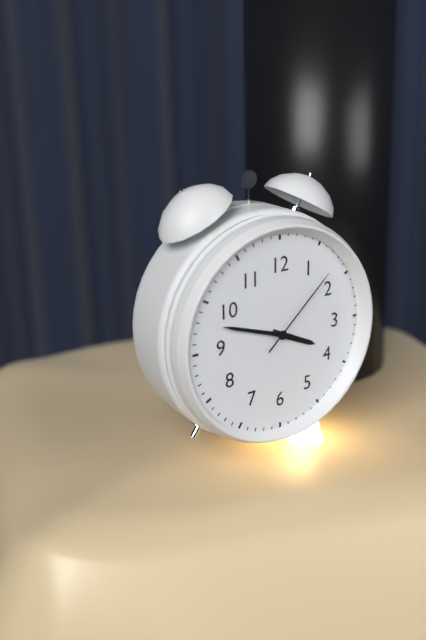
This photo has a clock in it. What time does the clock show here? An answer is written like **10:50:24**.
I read **3:48:08**
